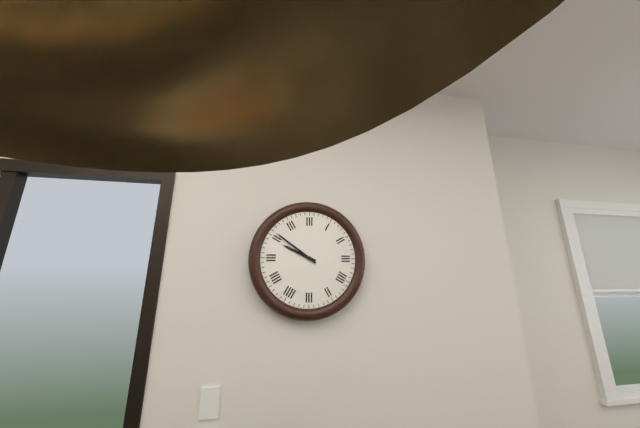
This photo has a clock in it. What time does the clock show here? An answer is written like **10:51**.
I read **9:51**
